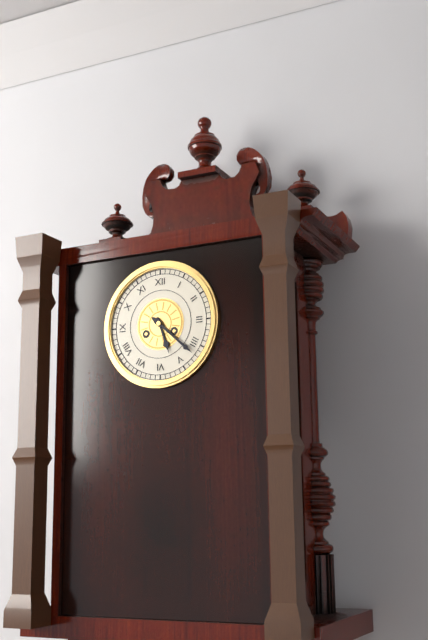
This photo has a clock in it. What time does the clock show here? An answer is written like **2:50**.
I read **5:22**
